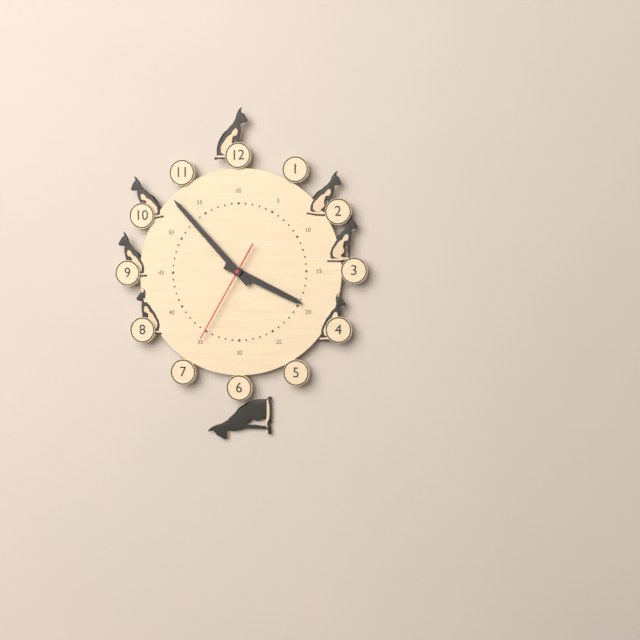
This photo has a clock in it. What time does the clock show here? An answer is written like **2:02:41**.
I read **3:53:35**
